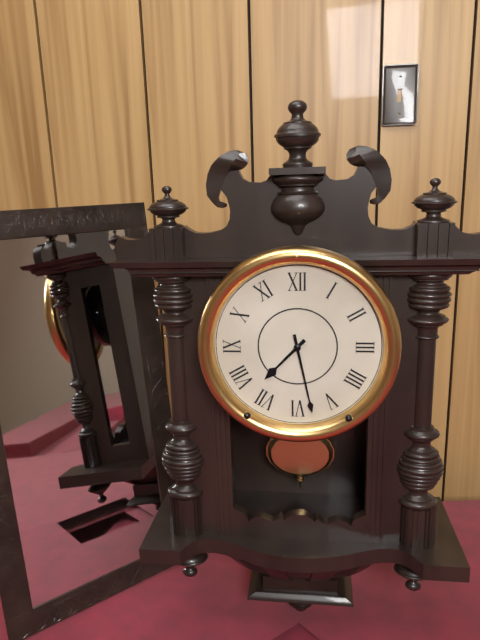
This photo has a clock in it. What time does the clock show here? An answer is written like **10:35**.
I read **7:28**
